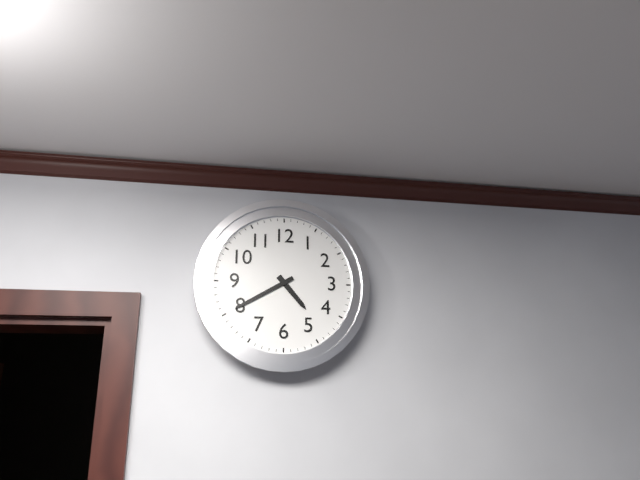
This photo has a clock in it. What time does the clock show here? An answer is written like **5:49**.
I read **4:40**
